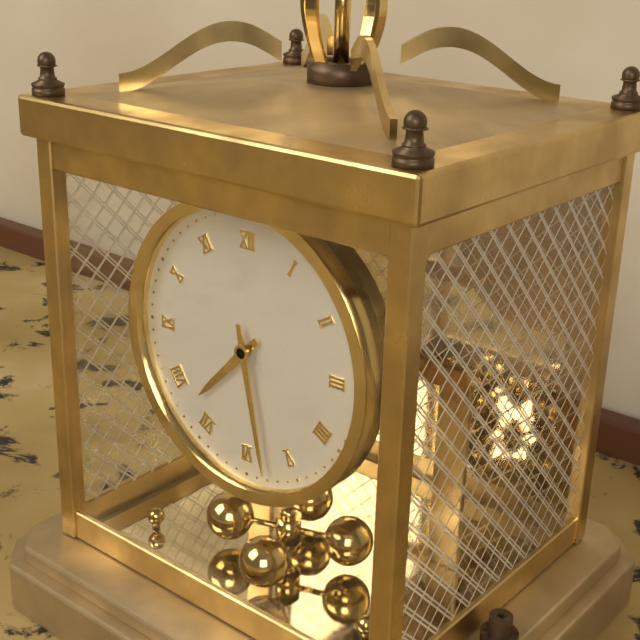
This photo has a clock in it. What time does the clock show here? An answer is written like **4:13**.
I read **7:28**
